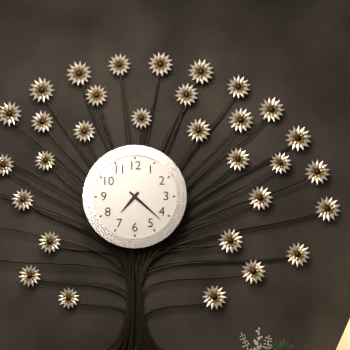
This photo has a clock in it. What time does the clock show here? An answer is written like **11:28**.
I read **7:22**
